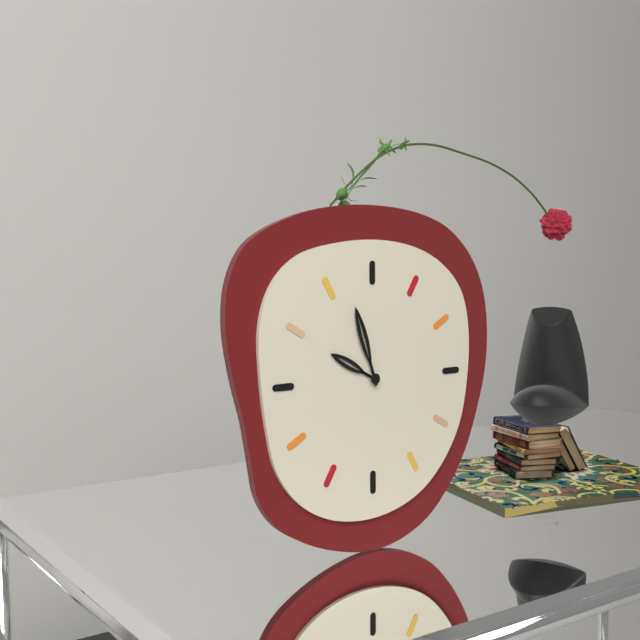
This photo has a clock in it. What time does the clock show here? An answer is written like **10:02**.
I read **9:57**
